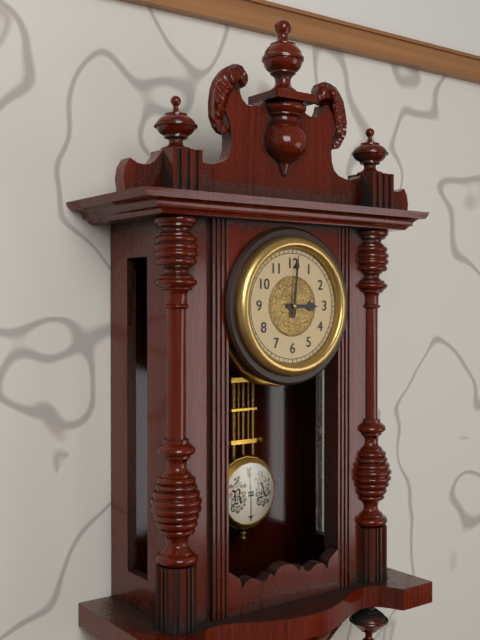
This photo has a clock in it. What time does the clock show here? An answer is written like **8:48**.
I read **3:01**
